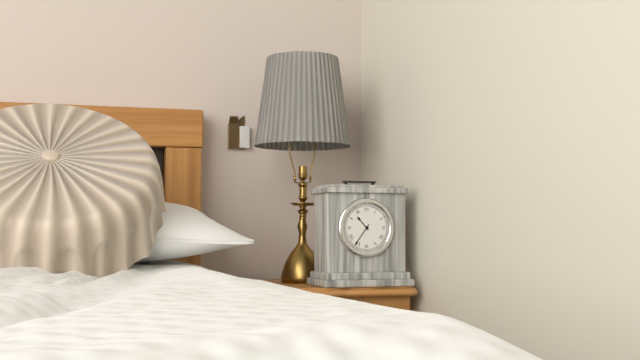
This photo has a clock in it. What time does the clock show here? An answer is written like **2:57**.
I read **10:36**
